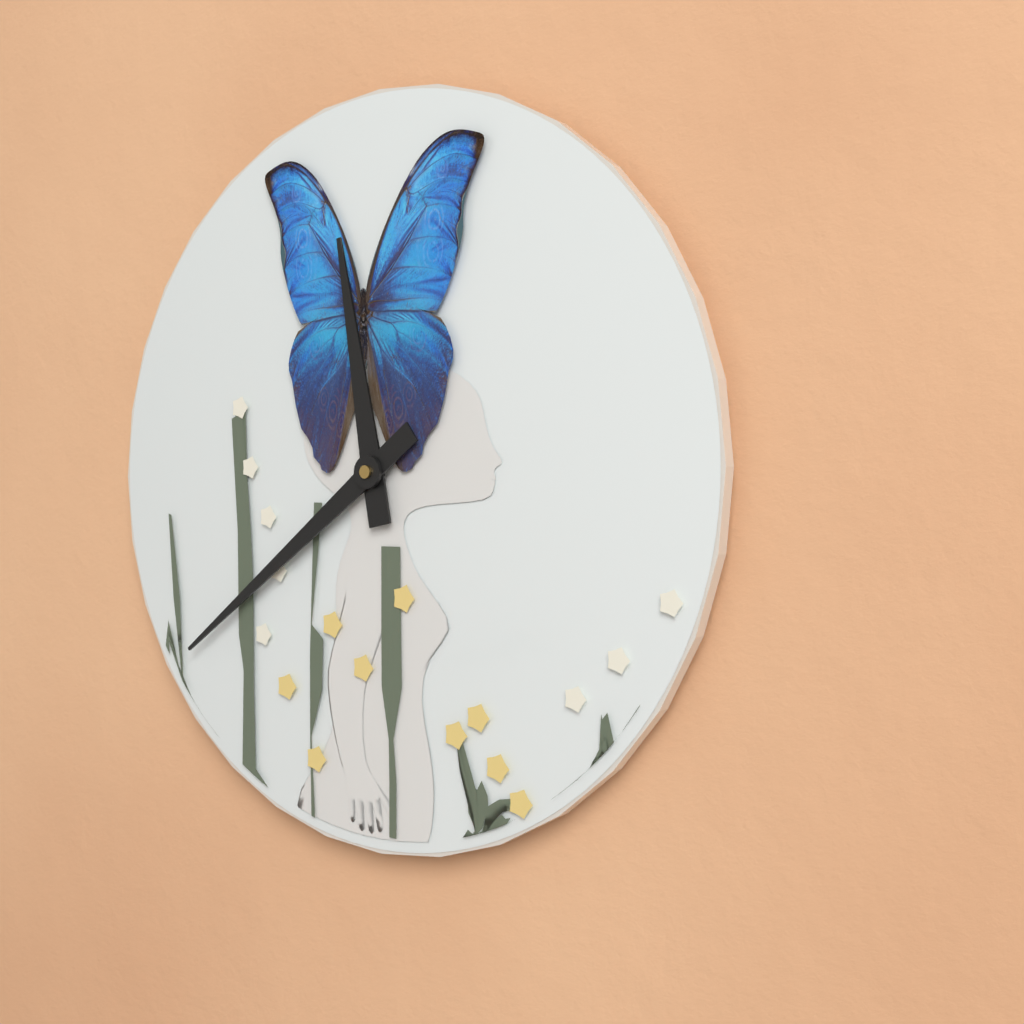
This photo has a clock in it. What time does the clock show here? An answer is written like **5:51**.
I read **11:39**
